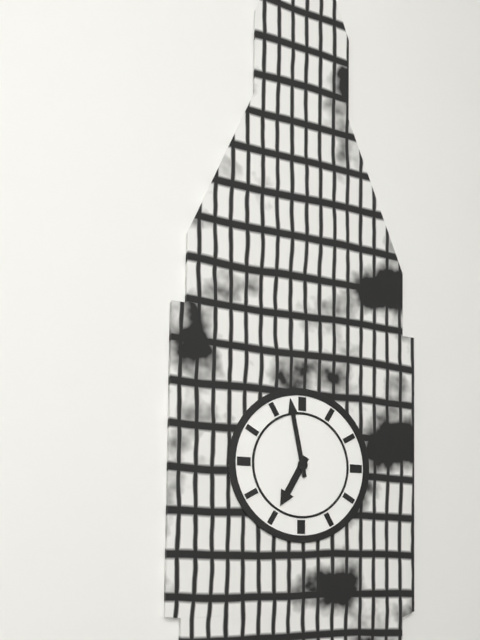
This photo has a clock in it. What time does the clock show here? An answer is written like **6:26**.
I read **6:58**
